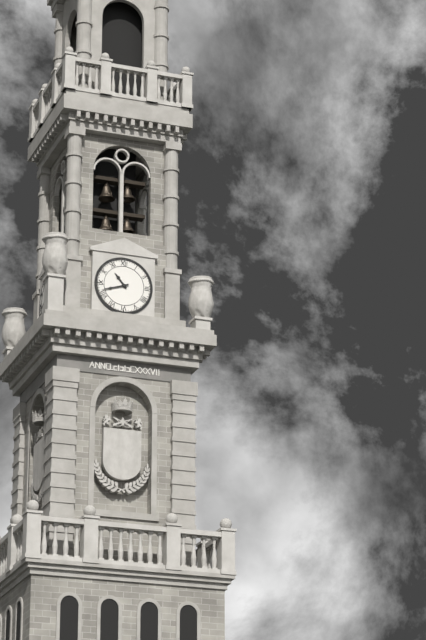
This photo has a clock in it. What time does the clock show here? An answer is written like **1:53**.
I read **10:42**
